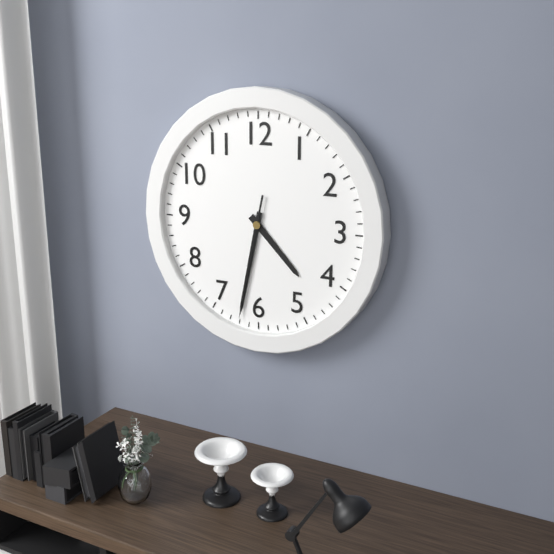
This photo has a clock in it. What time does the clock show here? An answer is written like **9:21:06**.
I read **4:32:32**
